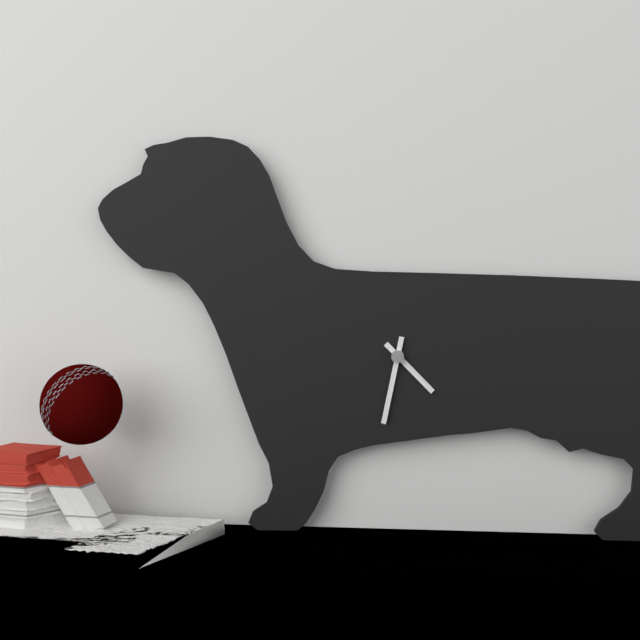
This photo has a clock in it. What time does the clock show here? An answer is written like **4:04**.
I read **4:32**
